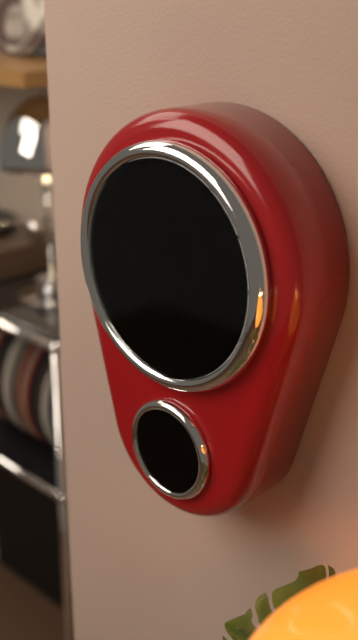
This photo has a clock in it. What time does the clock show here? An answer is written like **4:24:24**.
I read **7:26:59**
